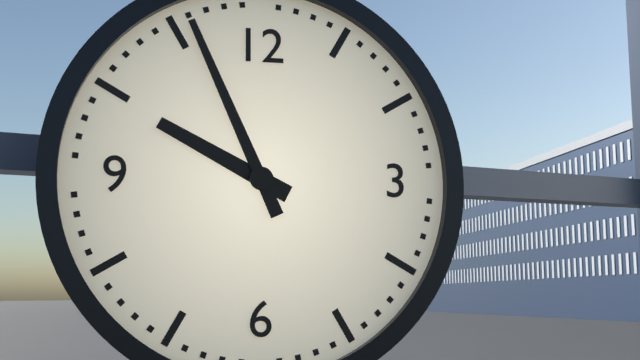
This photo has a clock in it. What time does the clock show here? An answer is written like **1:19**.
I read **9:56**
